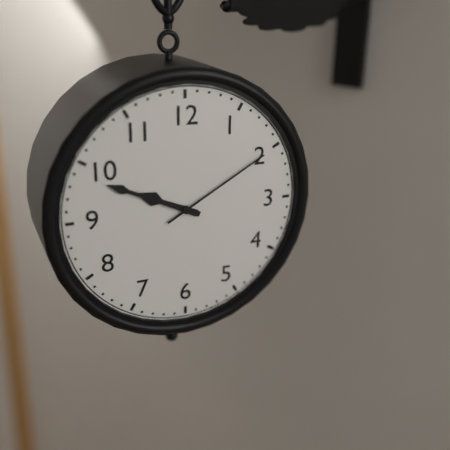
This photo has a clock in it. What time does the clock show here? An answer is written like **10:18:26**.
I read **9:49:10**
